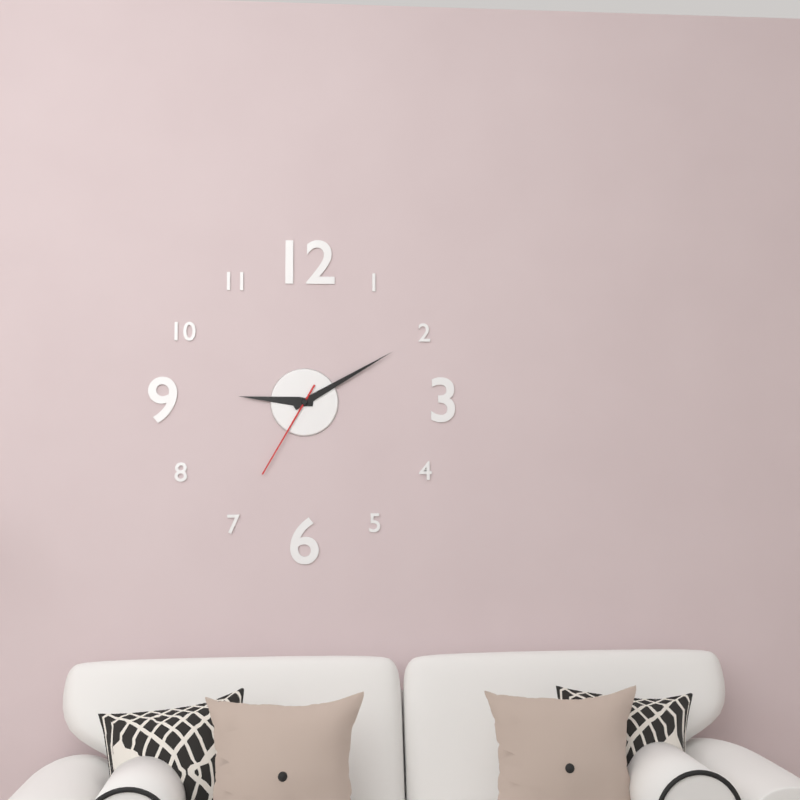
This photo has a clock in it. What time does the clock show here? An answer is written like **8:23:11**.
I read **9:10:35**
